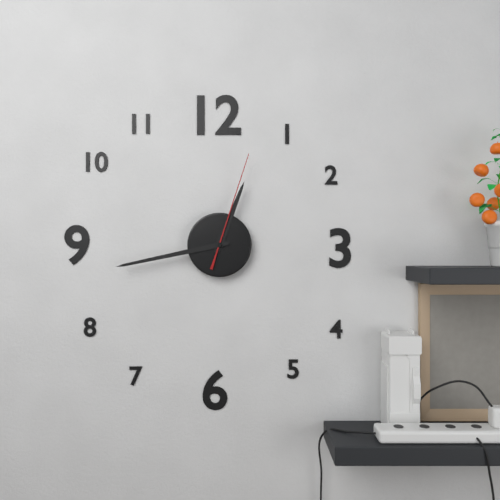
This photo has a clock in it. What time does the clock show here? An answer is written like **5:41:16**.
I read **12:43:03**
